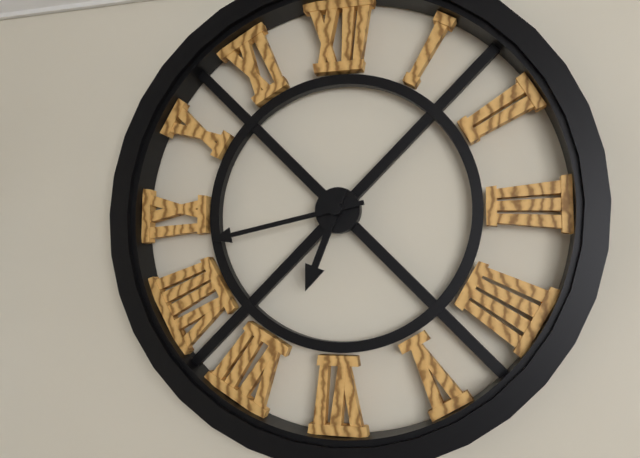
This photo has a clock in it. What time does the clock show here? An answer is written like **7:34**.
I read **6:43**
